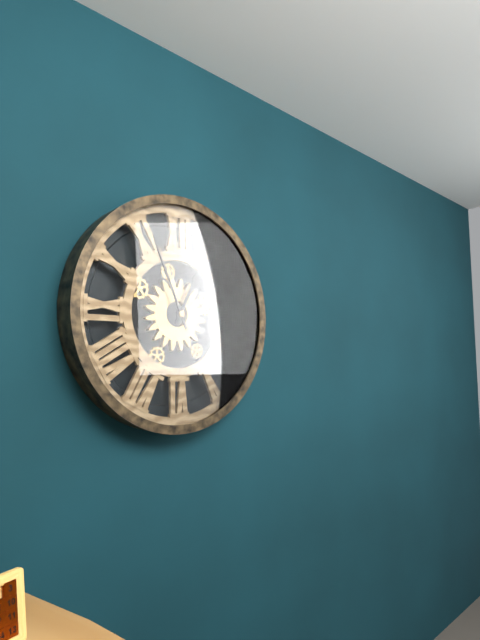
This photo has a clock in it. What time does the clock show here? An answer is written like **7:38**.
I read **12:56**
